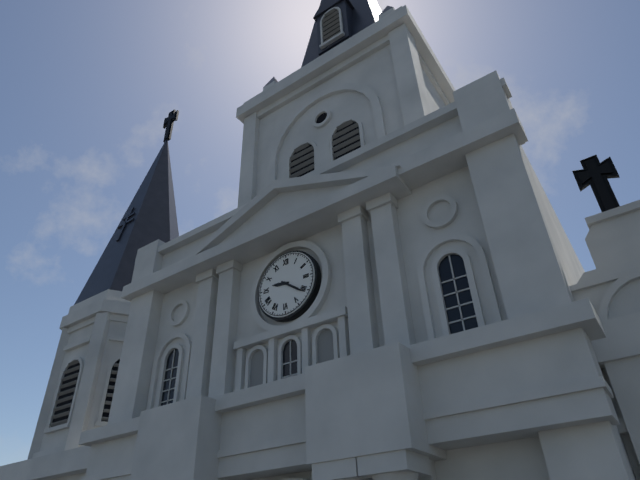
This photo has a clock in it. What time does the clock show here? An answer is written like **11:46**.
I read **9:21**
